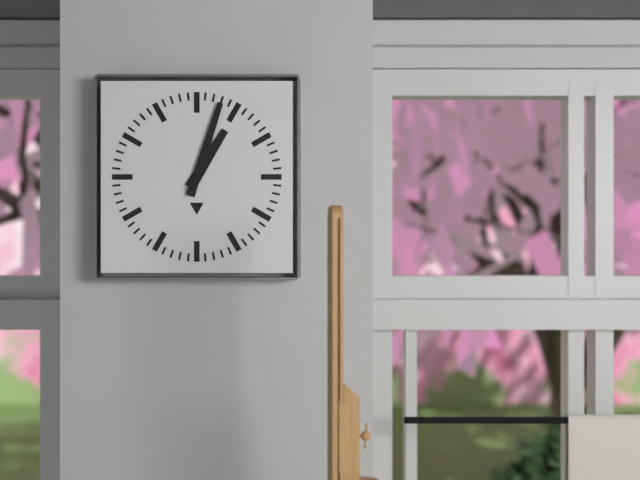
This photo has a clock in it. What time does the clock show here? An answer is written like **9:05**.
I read **1:03**
